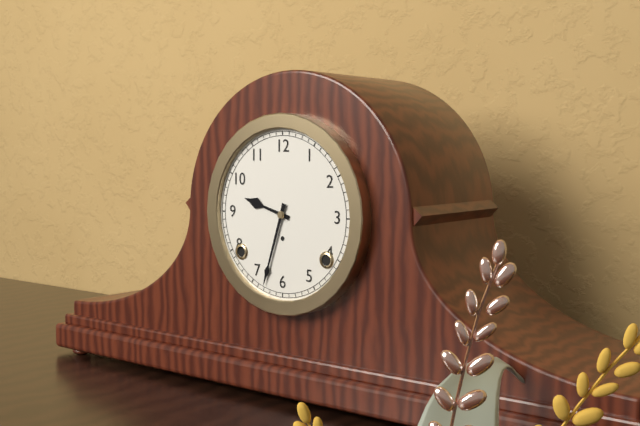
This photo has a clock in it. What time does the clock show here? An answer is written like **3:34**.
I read **9:33**
